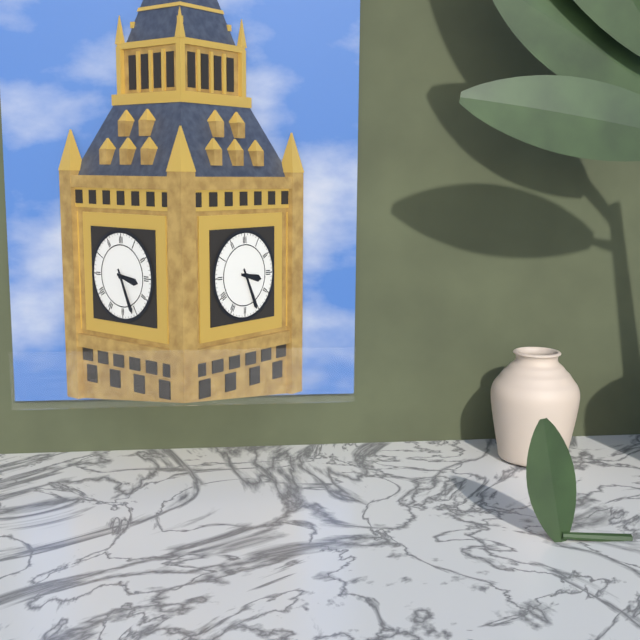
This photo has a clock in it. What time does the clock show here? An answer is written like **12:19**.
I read **3:26**
